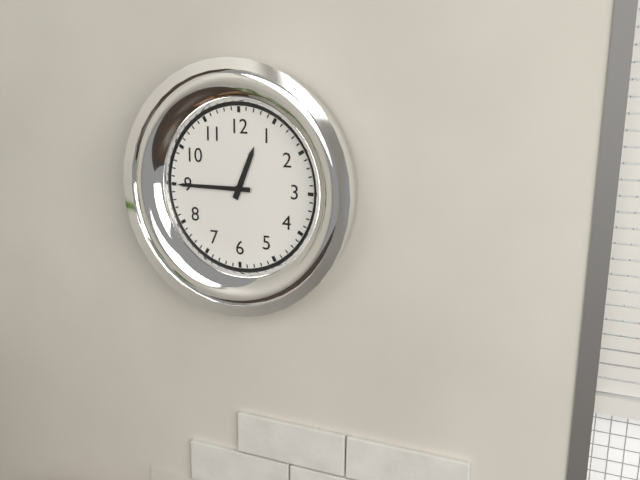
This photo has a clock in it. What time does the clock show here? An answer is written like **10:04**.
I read **12:45**
